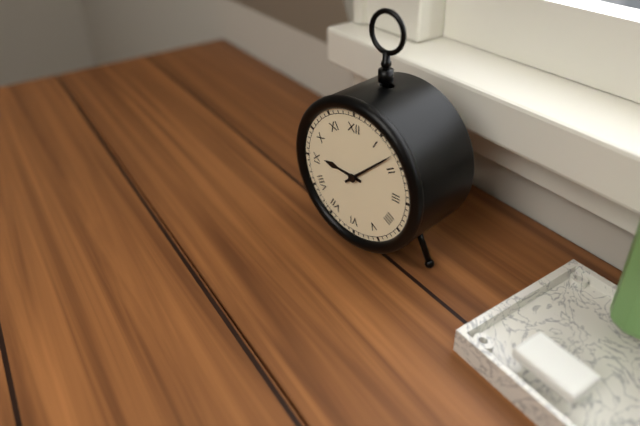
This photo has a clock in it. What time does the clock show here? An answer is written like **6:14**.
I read **9:08**
